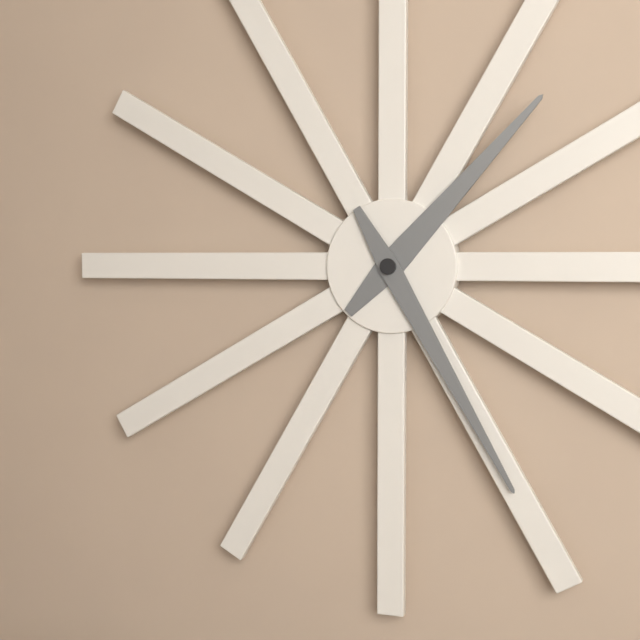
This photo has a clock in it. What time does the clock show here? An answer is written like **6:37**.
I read **1:25**
